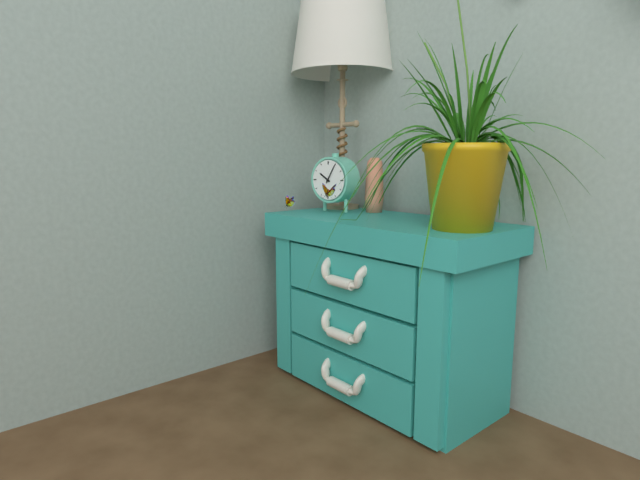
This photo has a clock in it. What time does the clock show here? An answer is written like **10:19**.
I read **10:05**
